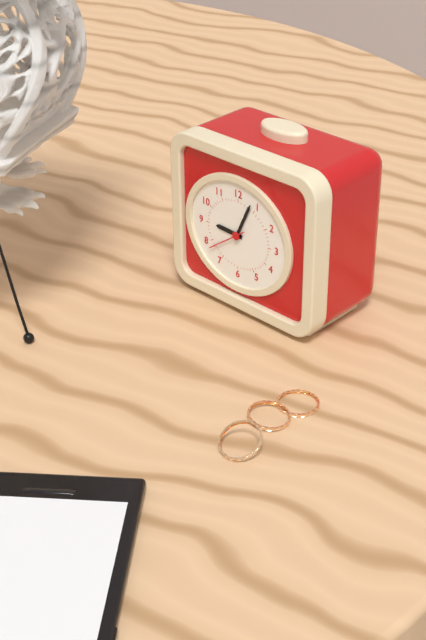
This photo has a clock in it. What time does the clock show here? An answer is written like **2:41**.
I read **9:04**
